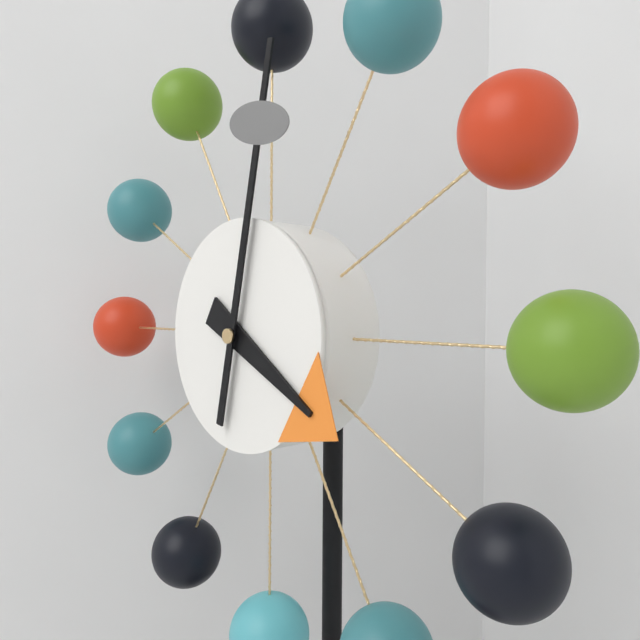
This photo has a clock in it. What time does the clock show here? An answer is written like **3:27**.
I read **4:02**
